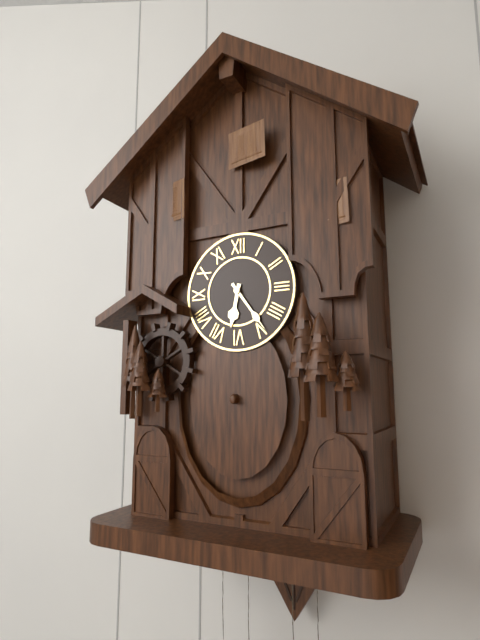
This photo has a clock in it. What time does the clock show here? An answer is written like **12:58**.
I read **6:24**
